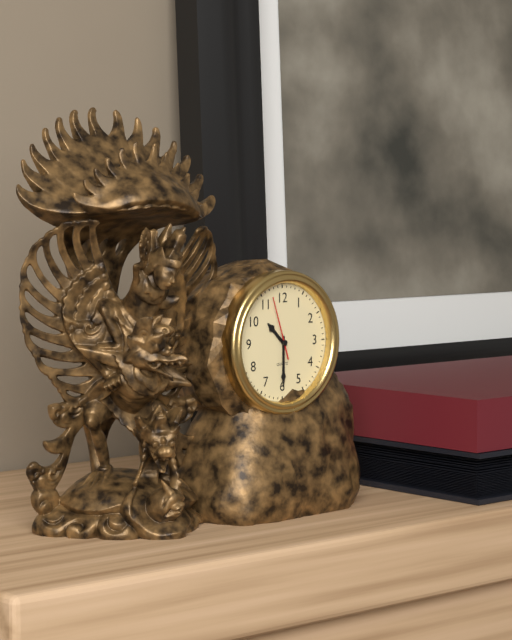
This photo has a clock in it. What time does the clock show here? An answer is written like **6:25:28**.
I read **10:30:57**
